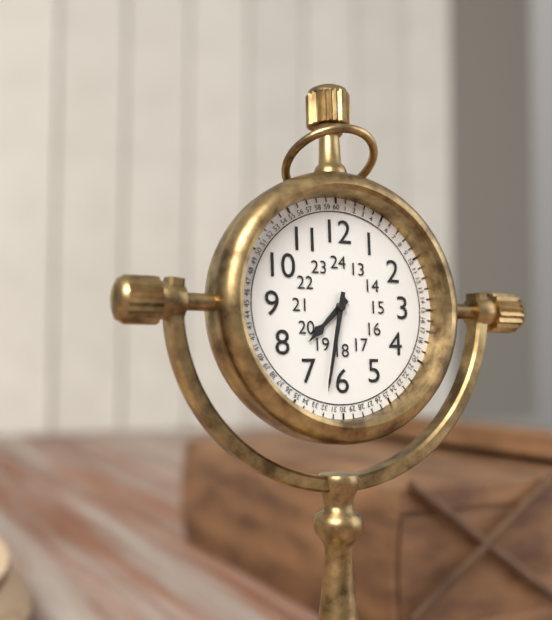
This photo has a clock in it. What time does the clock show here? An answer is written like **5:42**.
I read **7:32**
